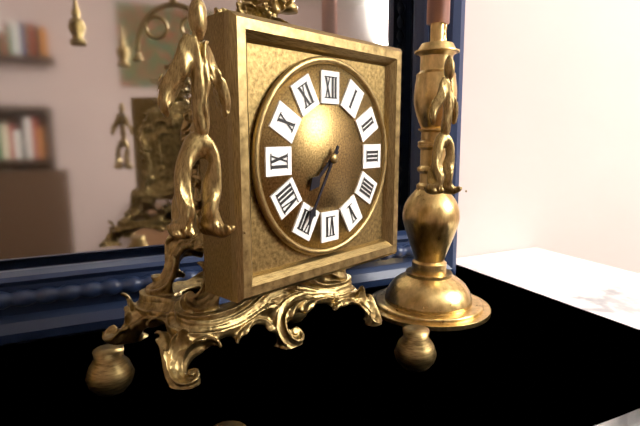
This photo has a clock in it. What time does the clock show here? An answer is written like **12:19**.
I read **7:35**
